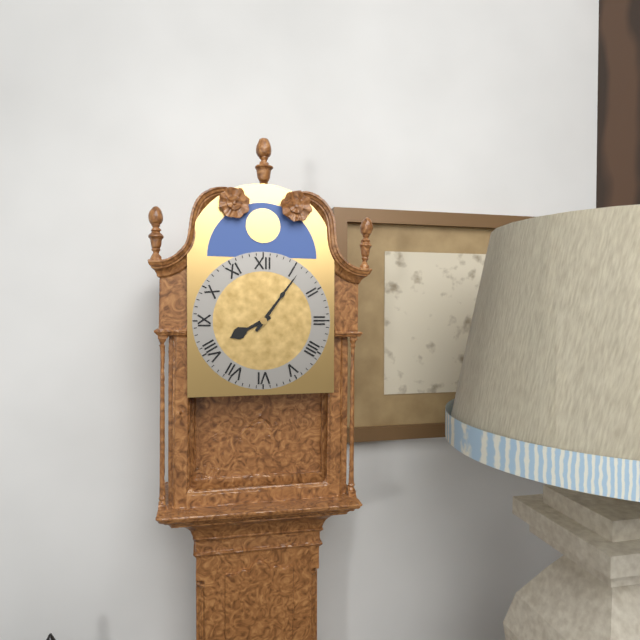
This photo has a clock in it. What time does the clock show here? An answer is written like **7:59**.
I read **8:06**
